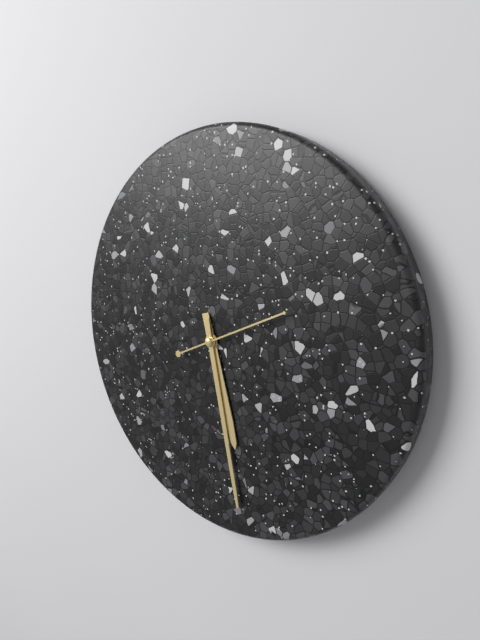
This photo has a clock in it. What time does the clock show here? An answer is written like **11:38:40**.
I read **5:28:11**
